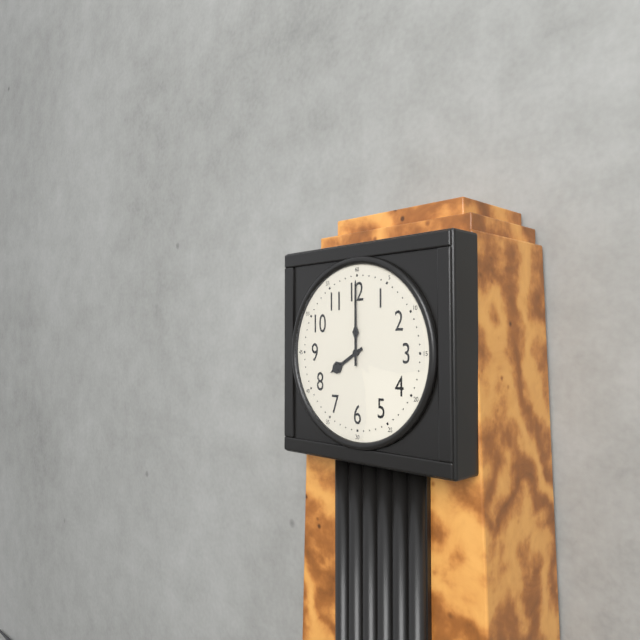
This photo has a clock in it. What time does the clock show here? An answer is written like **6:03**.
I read **8:00**
